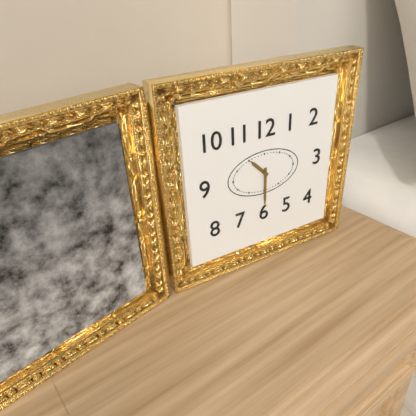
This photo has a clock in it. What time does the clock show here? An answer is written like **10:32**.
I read **10:30**
